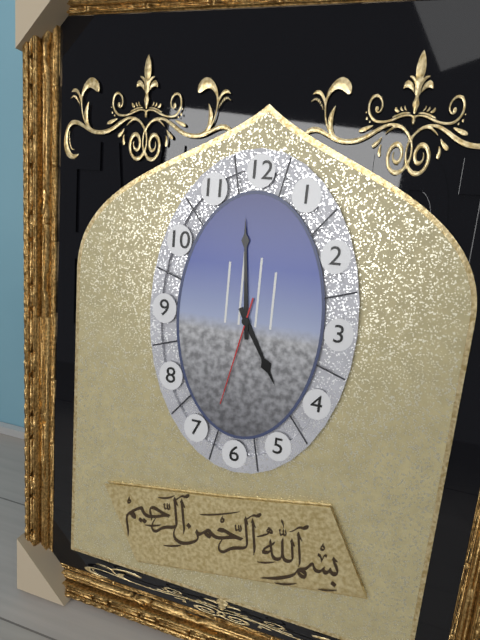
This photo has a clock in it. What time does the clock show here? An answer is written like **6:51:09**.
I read **4:59:32**
